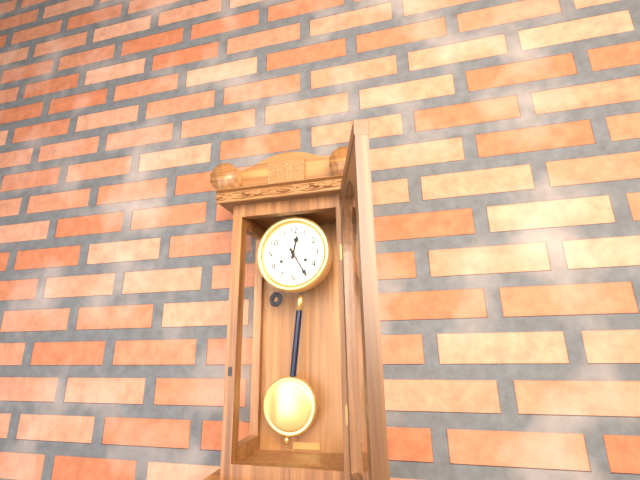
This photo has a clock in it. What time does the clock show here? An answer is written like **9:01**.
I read **12:25**
